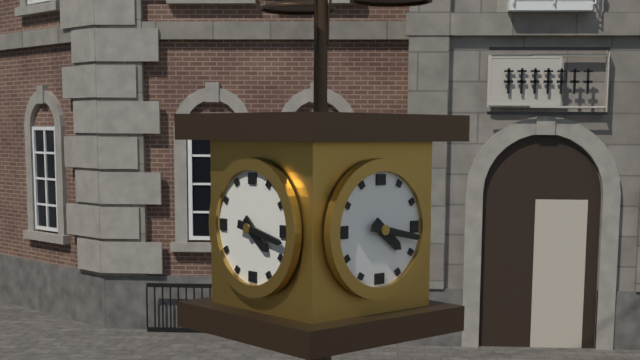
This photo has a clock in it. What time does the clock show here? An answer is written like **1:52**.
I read **4:17**
